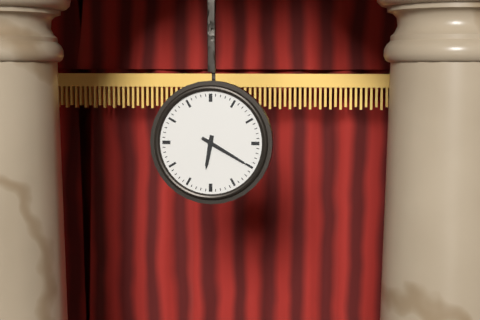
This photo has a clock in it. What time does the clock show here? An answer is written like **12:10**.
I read **6:20**
